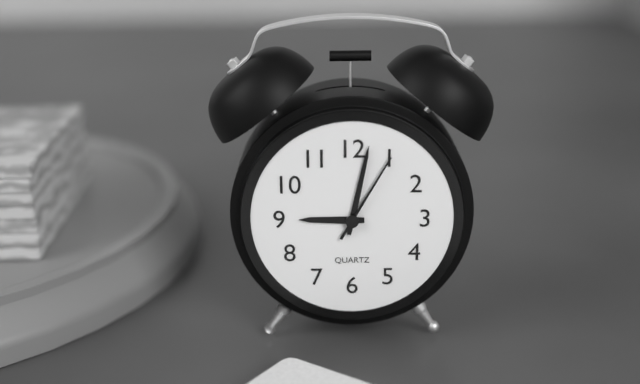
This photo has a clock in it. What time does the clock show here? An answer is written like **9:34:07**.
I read **9:02:05**
